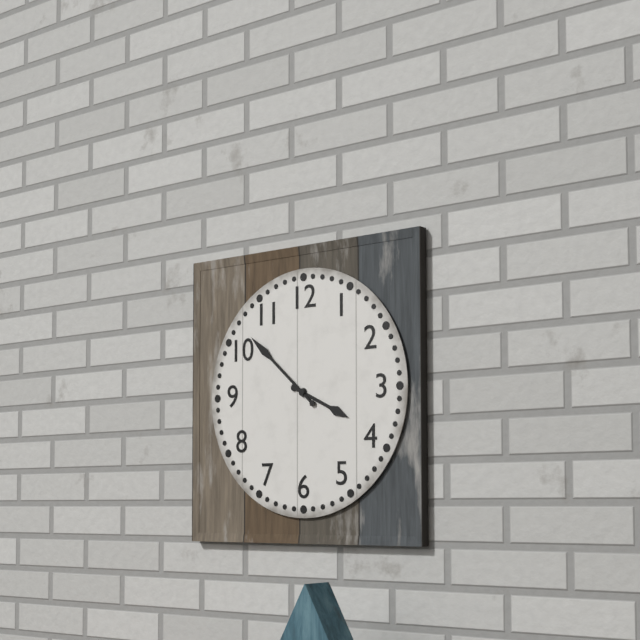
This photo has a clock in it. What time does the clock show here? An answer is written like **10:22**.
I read **3:52**
